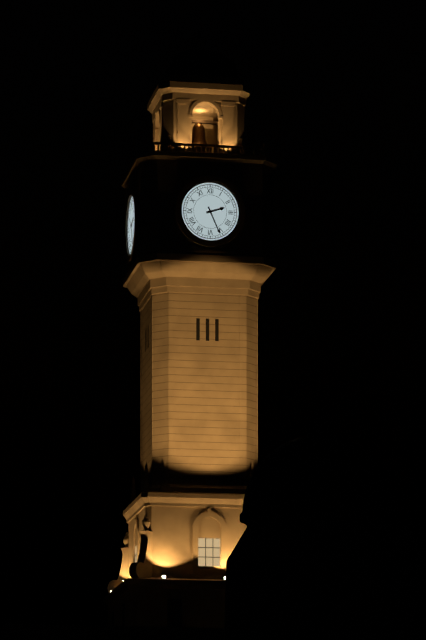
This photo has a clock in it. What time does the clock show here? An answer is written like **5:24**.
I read **2:26**
